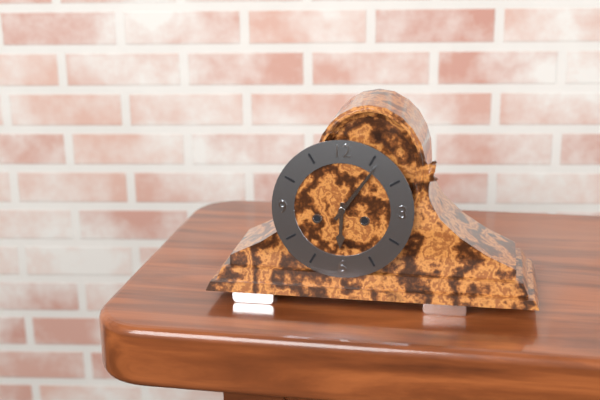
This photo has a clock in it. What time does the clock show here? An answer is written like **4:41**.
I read **6:06**
